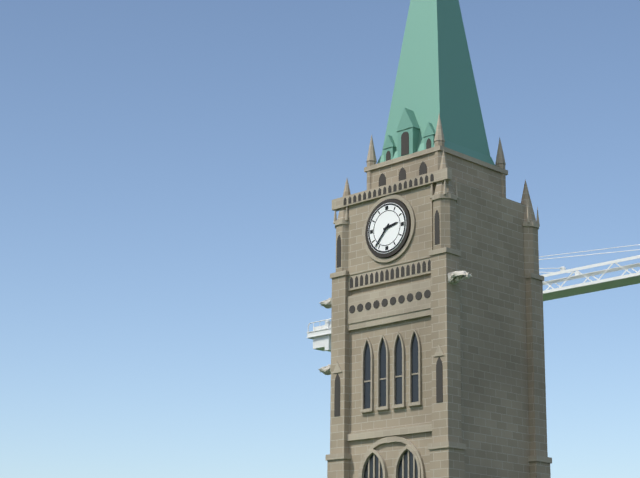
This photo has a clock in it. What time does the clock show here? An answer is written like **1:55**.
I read **2:37**
